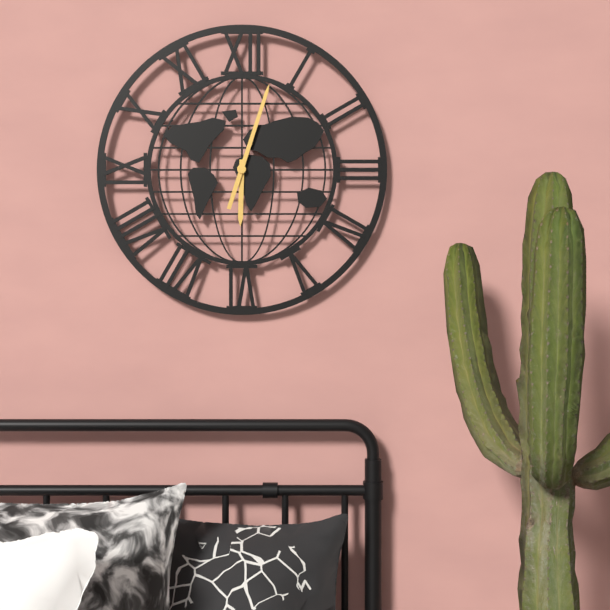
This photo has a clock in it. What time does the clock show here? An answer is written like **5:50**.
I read **6:03**
